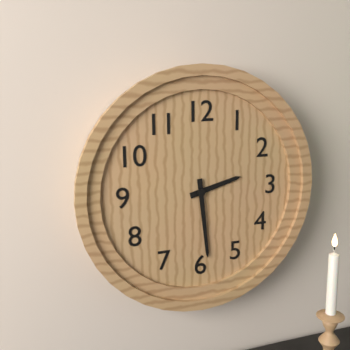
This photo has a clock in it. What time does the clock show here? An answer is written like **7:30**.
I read **2:29**
